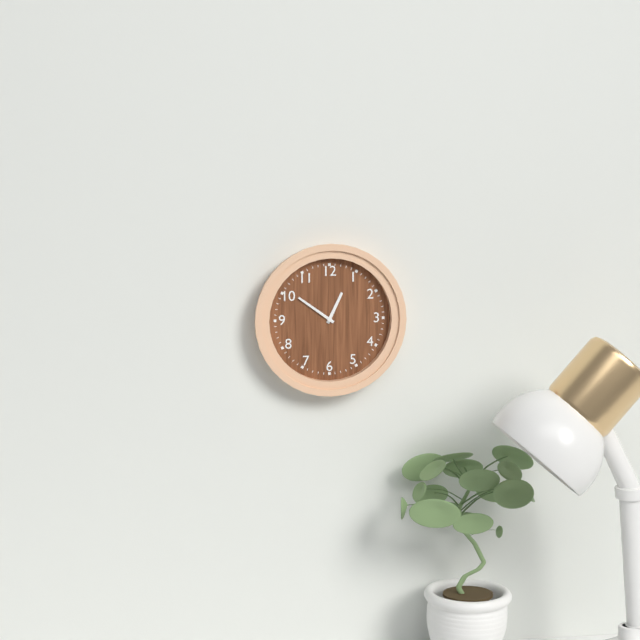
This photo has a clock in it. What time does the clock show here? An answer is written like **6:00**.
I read **12:51**
